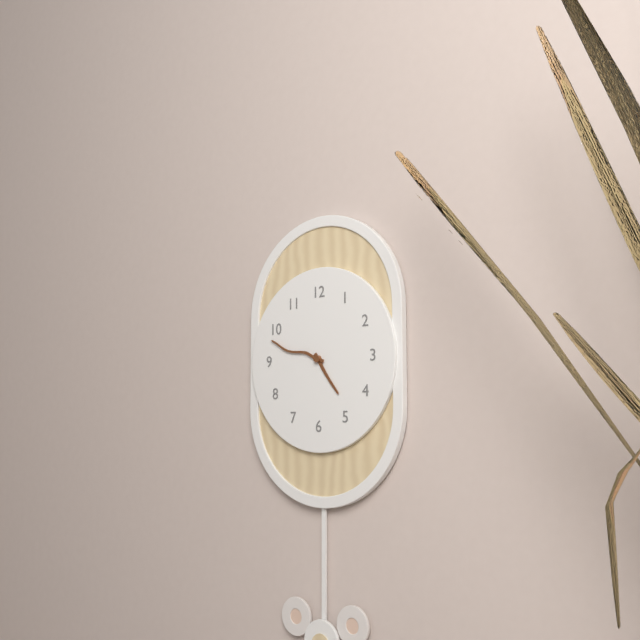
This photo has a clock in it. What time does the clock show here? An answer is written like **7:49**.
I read **4:48**
